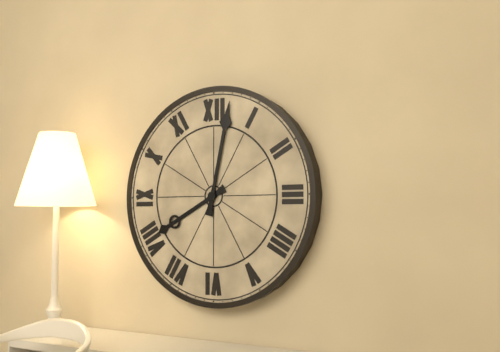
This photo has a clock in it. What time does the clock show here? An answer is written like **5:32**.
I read **8:02**
